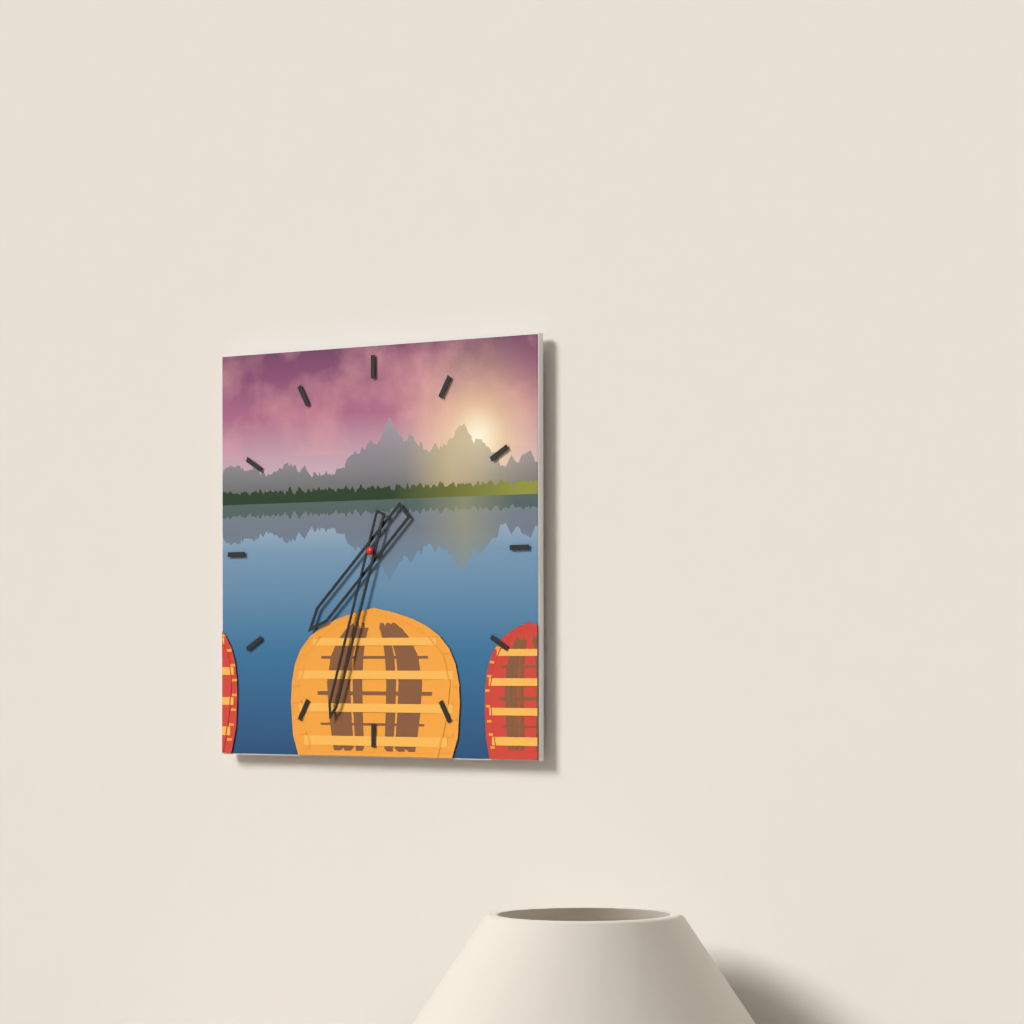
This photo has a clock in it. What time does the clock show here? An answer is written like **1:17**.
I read **7:33**
